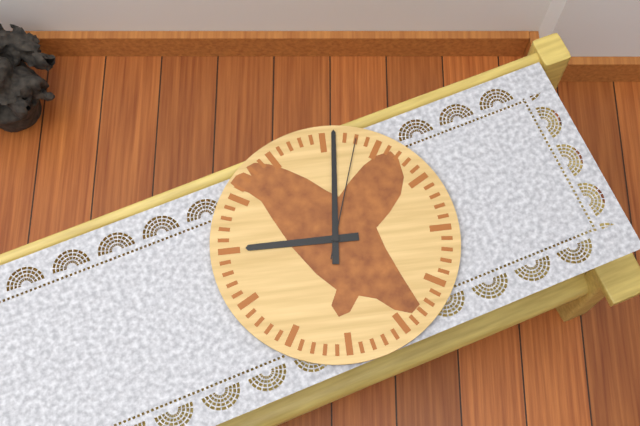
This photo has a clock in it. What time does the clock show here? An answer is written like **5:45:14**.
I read **9:01:03**
